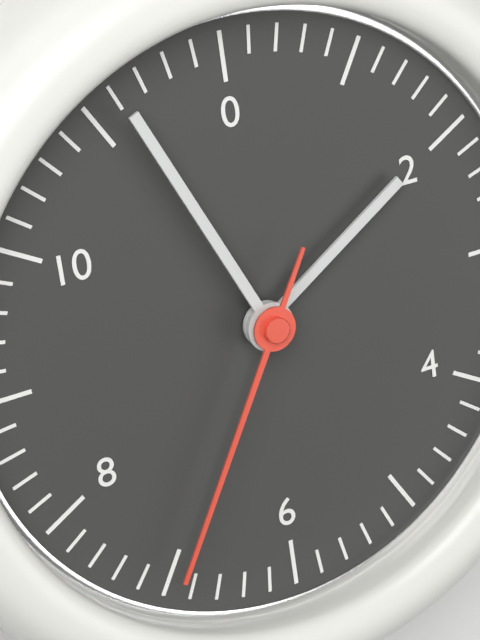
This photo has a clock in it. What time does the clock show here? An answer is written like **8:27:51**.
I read **1:56:35**
